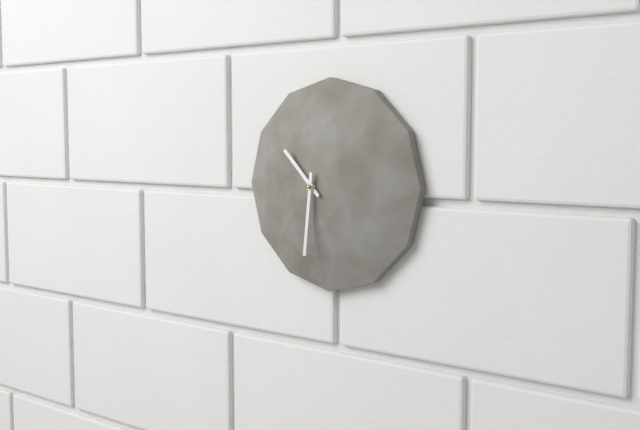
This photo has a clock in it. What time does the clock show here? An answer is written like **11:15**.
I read **10:31**
